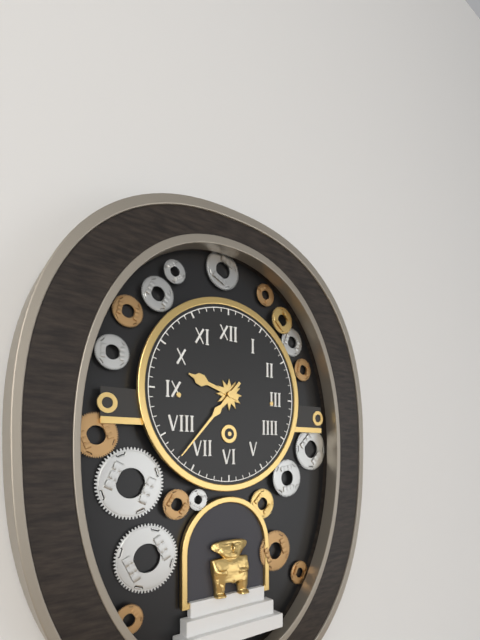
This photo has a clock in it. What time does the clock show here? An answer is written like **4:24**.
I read **9:37**
